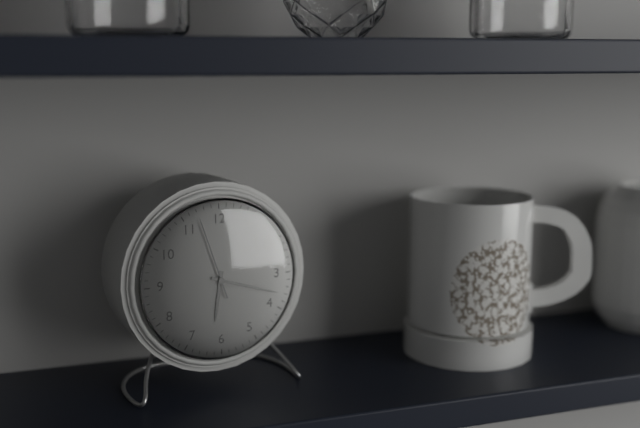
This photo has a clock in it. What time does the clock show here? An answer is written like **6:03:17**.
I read **6:18:57**
